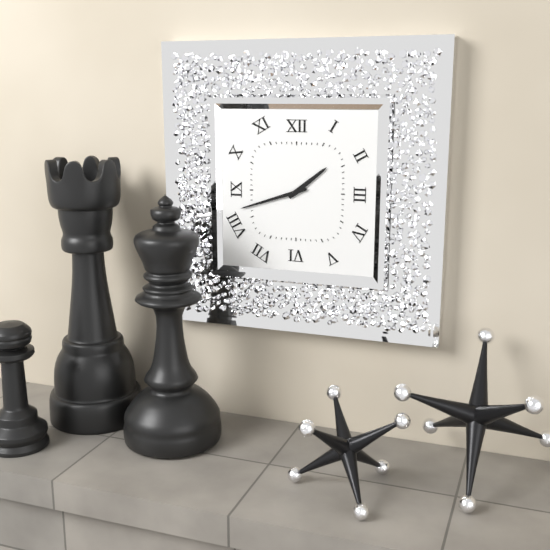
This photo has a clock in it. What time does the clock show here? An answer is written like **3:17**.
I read **1:42**
